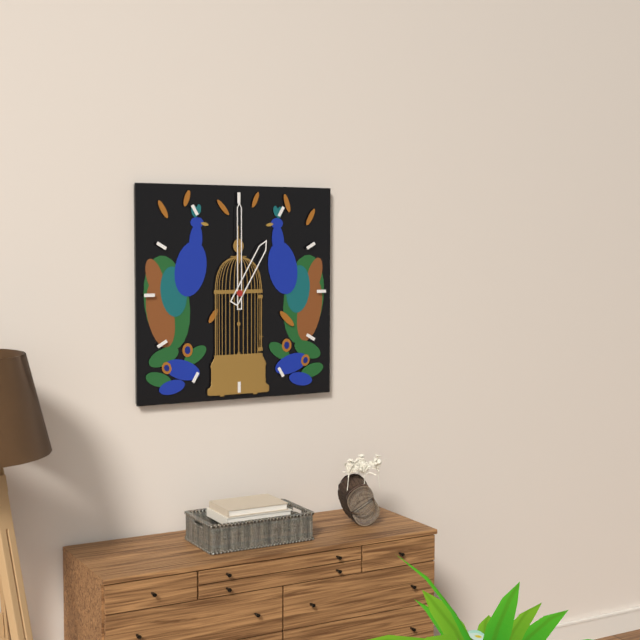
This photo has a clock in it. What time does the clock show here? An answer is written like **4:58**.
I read **1:00**
